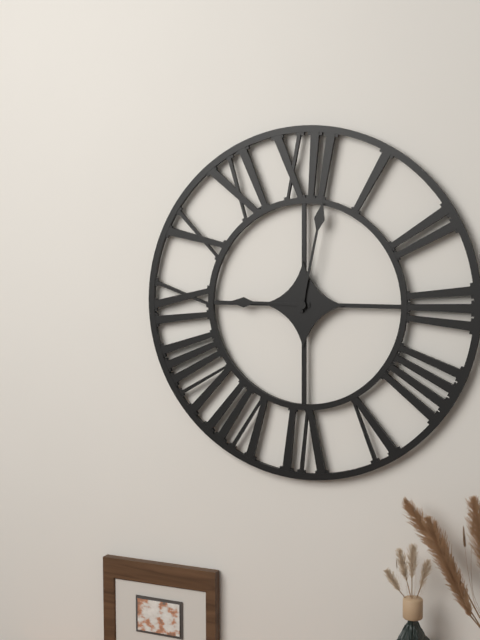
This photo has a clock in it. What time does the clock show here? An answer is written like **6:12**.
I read **9:02**
